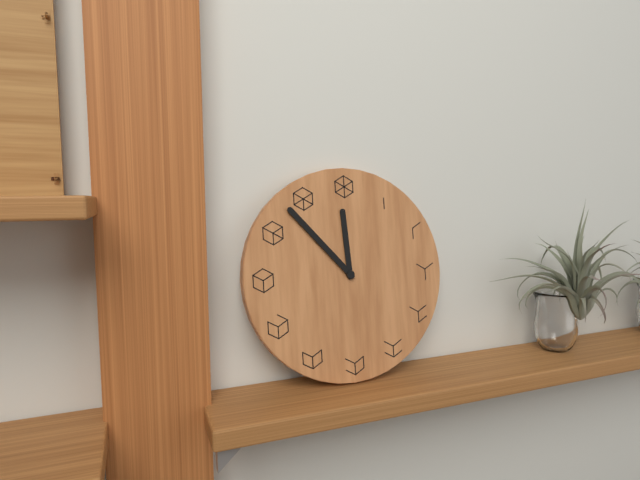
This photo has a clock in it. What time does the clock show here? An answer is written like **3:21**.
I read **11:53**
